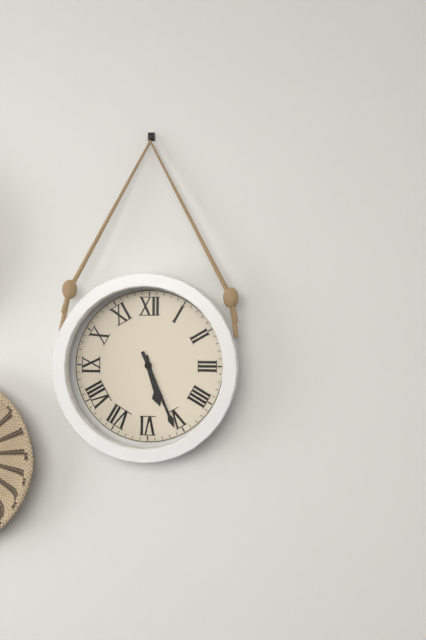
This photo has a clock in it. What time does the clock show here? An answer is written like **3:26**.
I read **5:26**
